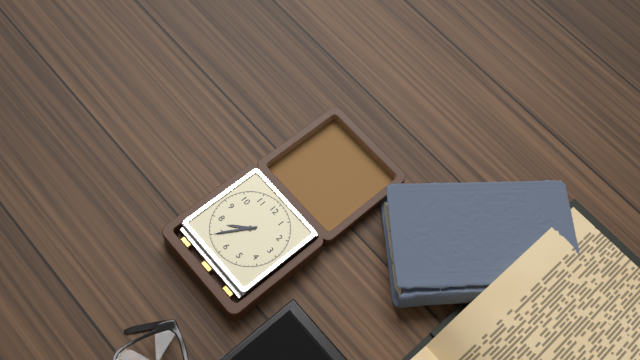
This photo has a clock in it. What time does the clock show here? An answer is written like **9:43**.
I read **7:35**
